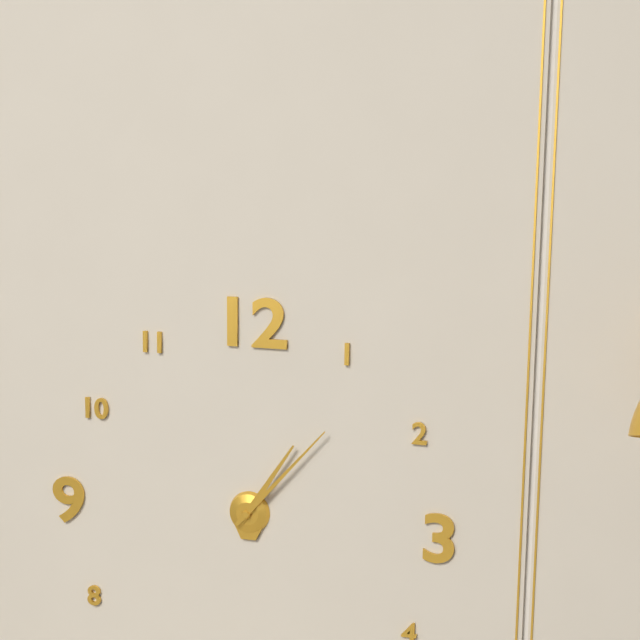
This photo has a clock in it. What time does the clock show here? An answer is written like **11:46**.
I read **1:07**
